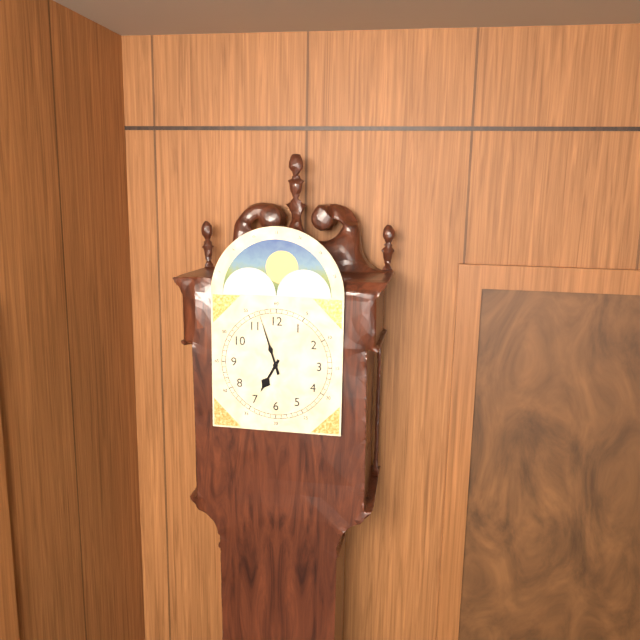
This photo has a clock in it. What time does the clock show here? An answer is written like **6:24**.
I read **6:57**
